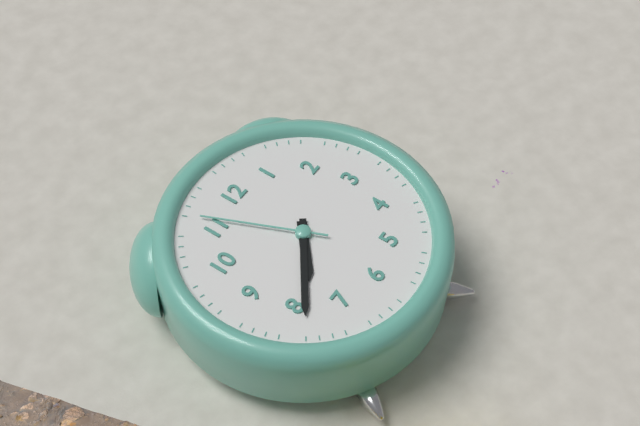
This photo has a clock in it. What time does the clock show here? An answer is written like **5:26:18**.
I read **7:39:56**
